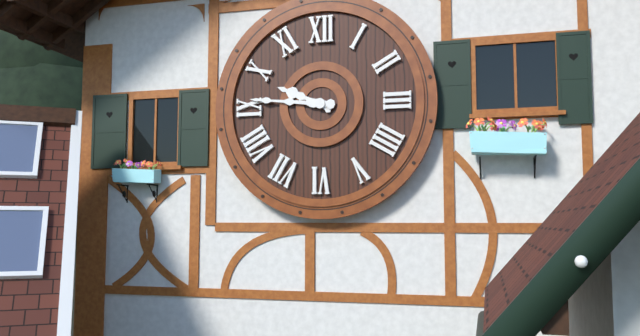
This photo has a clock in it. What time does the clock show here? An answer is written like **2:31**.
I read **9:46**
